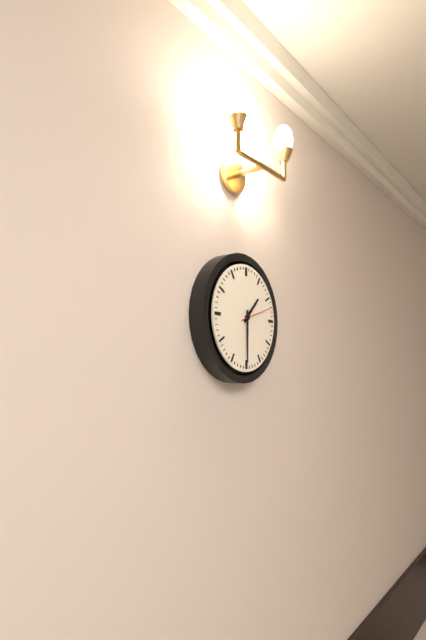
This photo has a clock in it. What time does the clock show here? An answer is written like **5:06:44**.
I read **1:30:12**
